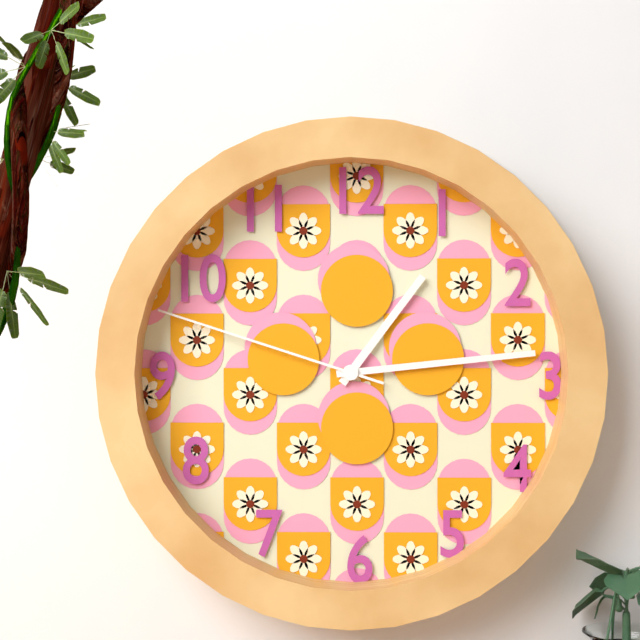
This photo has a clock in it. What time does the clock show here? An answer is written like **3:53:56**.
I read **1:14:48**
